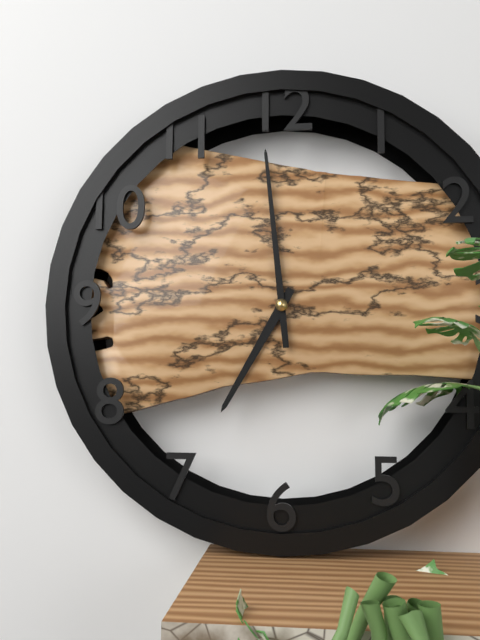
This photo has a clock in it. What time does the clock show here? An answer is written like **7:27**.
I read **6:59**
